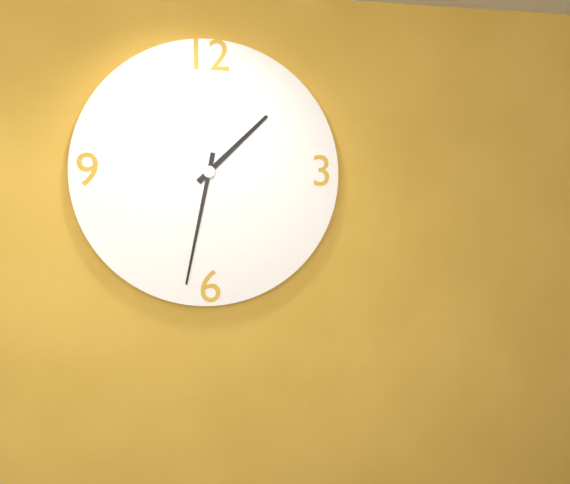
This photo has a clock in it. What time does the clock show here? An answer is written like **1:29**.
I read **1:32**
